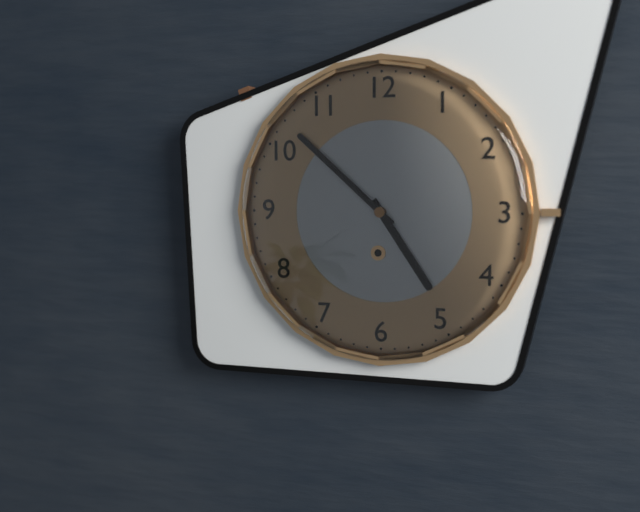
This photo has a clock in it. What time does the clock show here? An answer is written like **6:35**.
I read **4:52**
